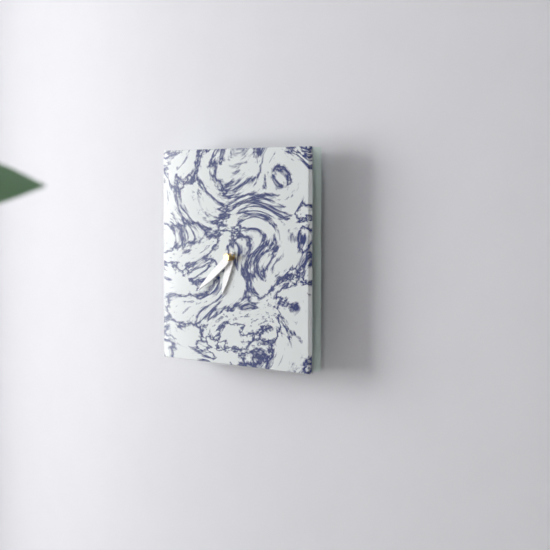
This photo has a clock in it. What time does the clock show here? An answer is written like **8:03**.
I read **6:39**
